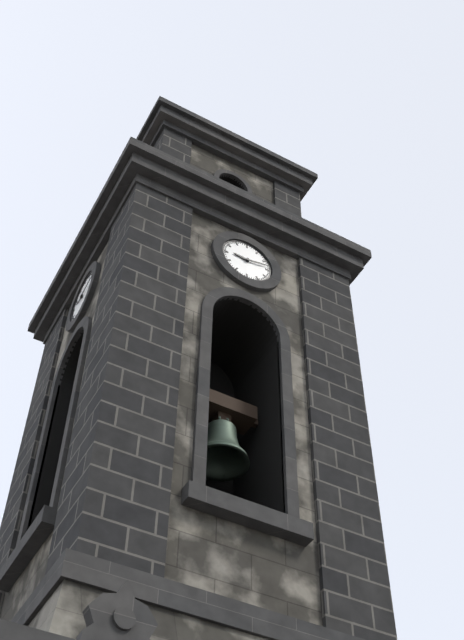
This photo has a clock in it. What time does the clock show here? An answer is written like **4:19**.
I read **9:13**
